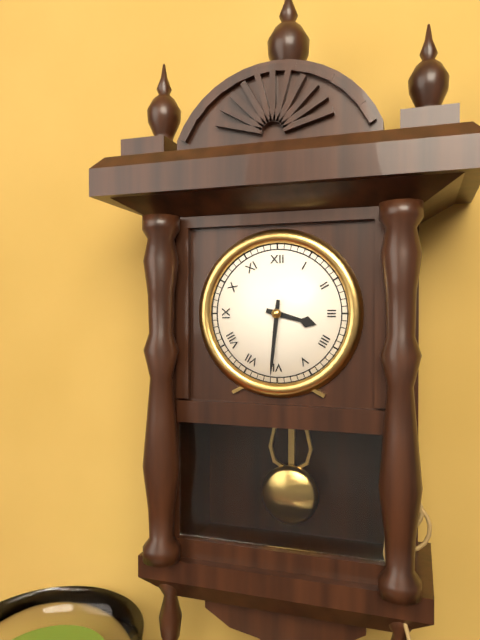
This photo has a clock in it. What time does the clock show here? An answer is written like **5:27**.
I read **3:31**
